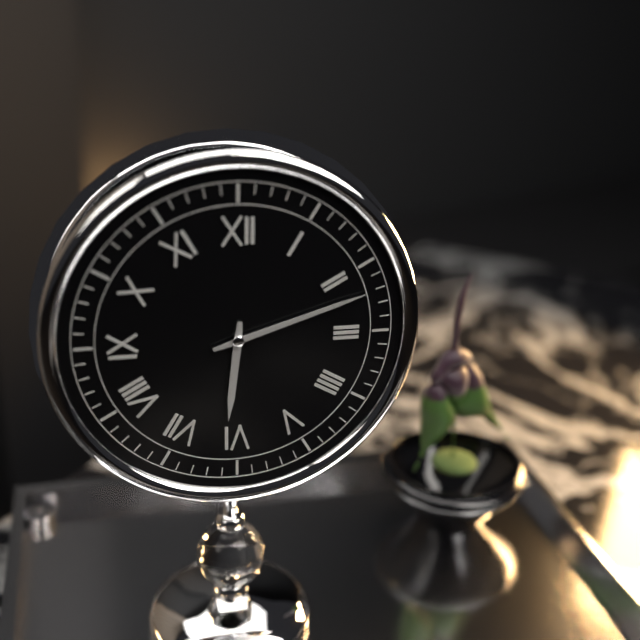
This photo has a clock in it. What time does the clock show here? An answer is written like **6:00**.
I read **6:12**
